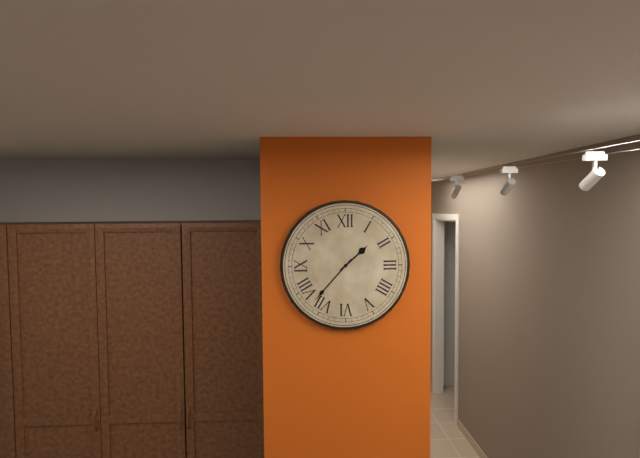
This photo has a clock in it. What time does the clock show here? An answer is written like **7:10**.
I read **1:37**
